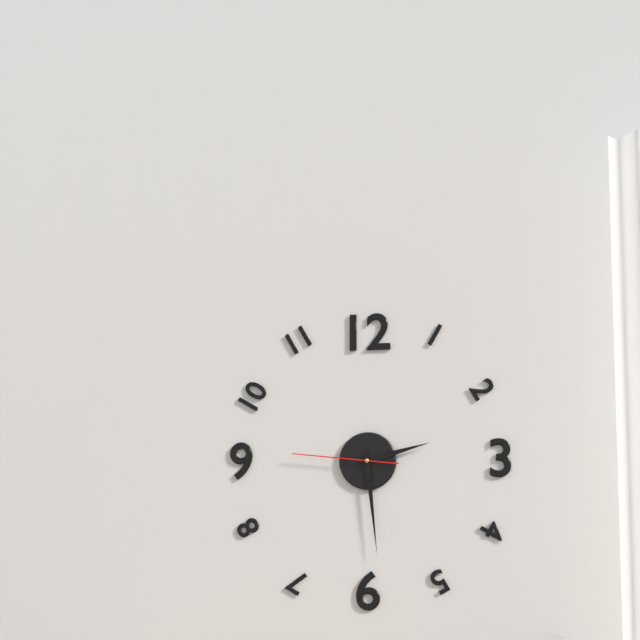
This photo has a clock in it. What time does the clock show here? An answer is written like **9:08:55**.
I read **2:29:46**
